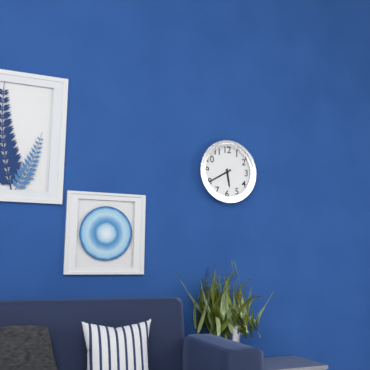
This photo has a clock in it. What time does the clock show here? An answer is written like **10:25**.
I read **5:40**
